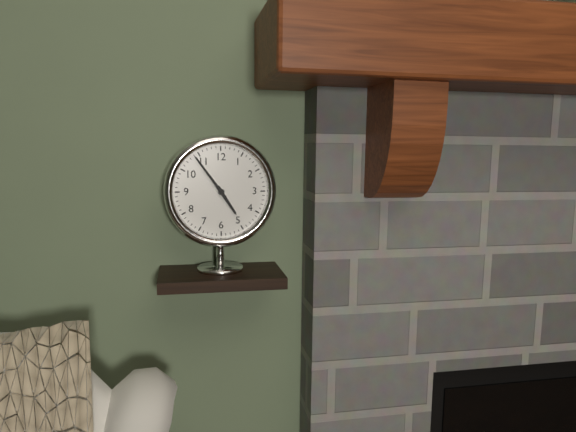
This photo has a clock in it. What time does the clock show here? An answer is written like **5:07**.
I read **4:54**
